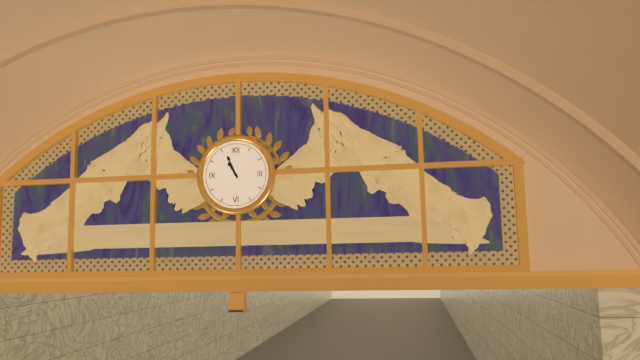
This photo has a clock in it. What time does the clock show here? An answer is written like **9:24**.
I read **10:56**
